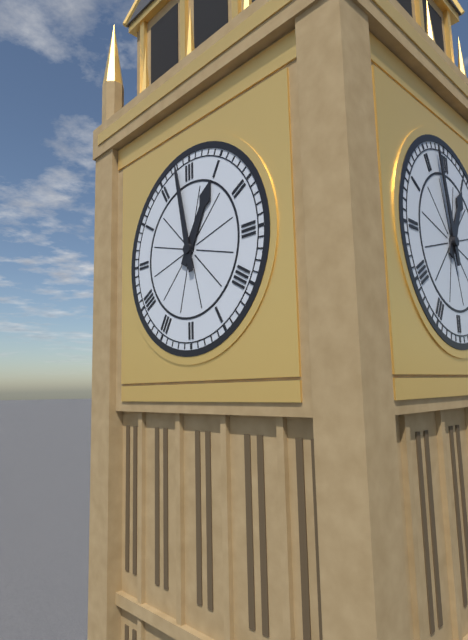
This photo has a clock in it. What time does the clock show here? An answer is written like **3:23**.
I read **12:58**
